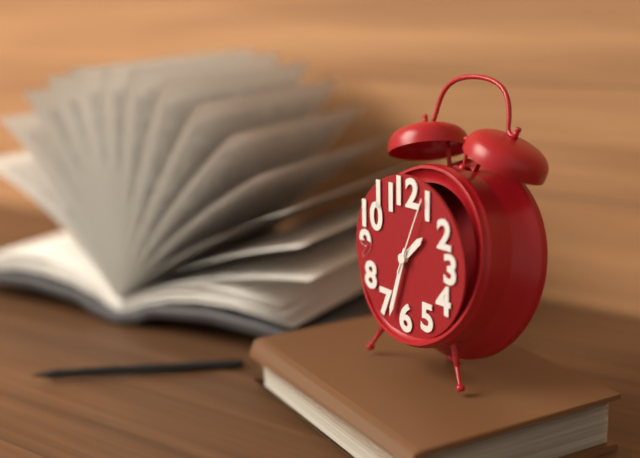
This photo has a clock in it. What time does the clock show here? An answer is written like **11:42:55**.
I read **1:33:04**
